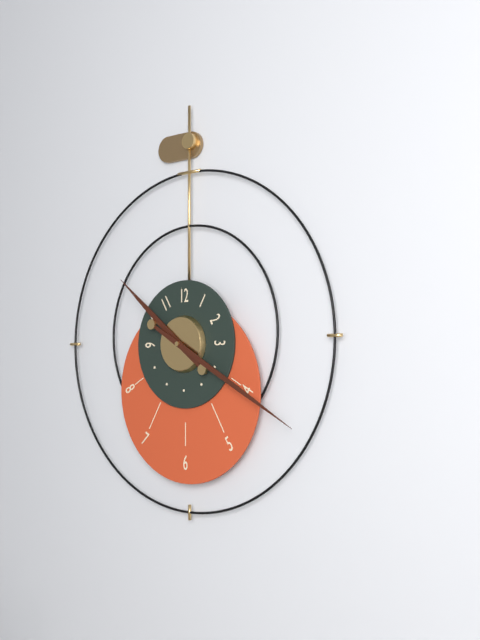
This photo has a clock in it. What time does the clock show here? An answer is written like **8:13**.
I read **10:20**
